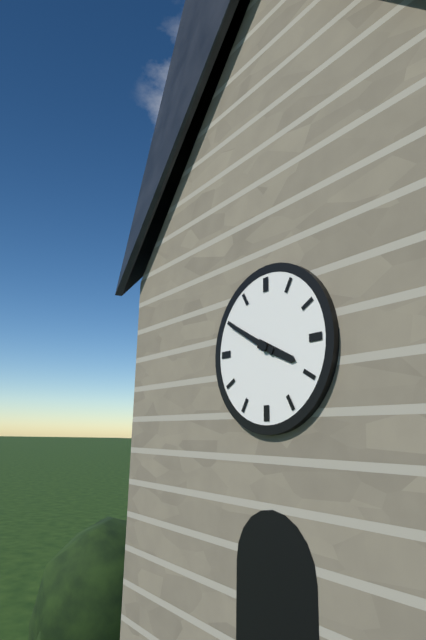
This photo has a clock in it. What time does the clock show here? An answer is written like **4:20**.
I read **3:50**
